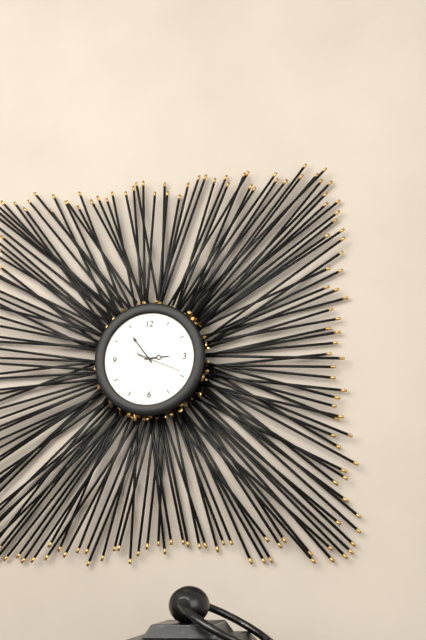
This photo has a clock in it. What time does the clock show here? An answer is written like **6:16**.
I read **2:54**
